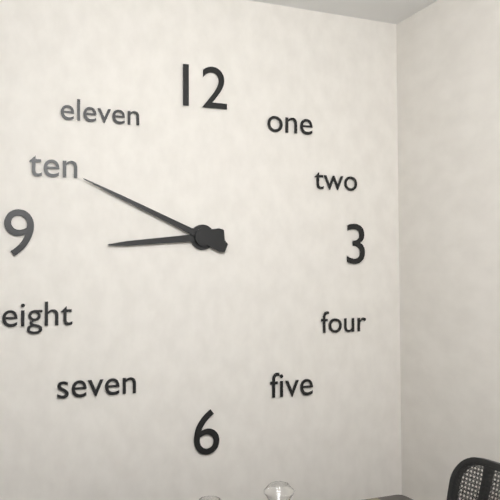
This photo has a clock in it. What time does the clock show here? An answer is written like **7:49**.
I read **8:49**
